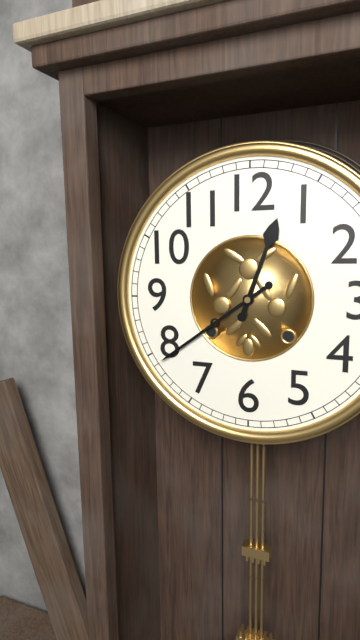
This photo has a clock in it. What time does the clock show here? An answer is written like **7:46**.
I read **12:39**
